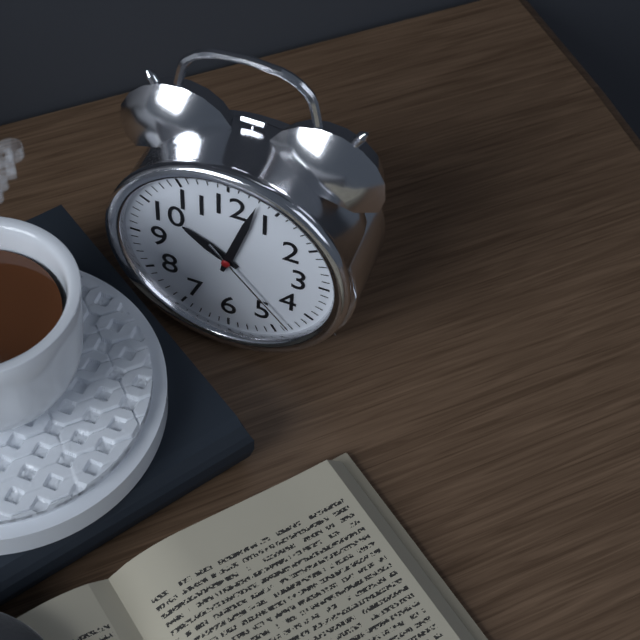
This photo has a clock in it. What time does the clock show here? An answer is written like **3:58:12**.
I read **10:03:23**
